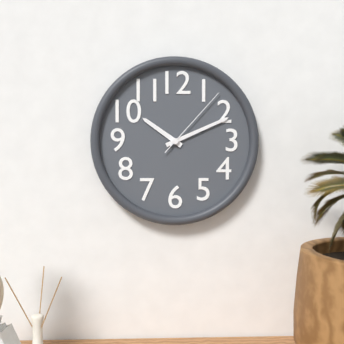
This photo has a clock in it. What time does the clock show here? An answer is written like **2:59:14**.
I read **10:11:07**
